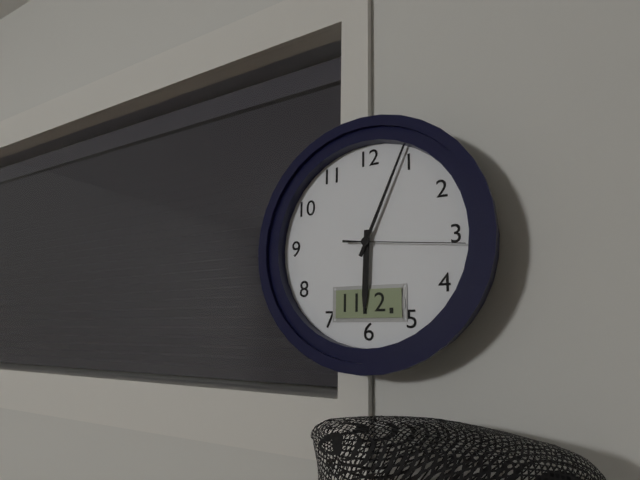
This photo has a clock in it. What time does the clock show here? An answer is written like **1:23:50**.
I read **6:04:16**
